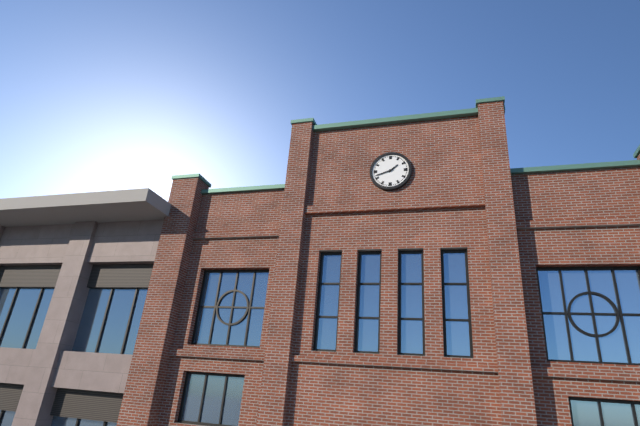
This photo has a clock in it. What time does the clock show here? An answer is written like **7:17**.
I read **1:42**
